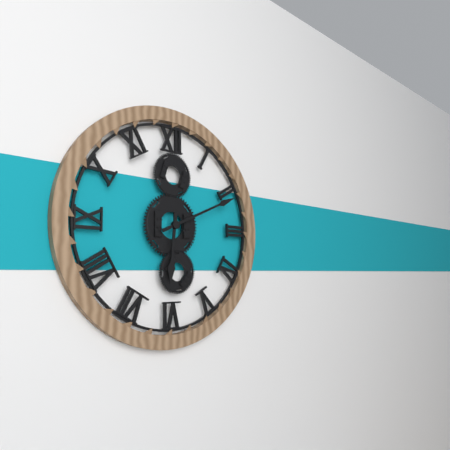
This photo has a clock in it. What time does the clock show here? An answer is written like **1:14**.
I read **6:11**
